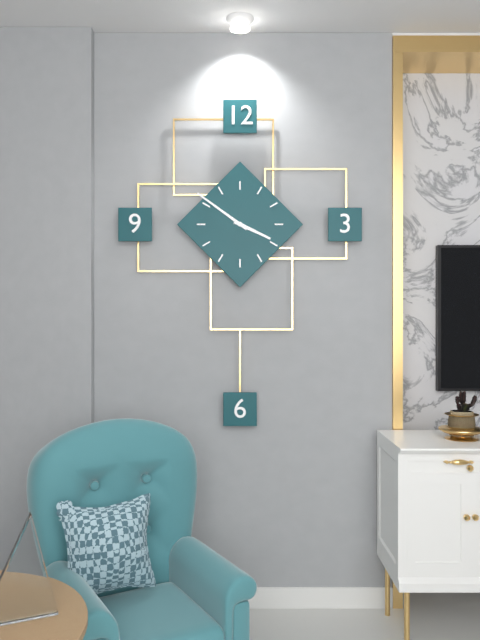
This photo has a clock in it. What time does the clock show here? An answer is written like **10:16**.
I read **3:51**
